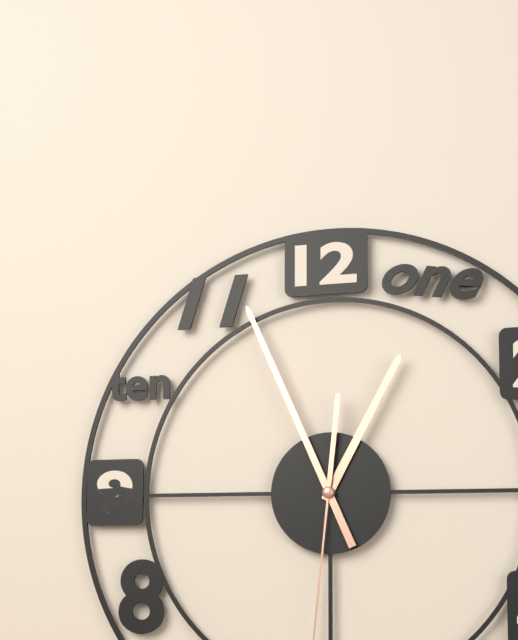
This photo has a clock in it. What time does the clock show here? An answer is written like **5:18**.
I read **12:56**
